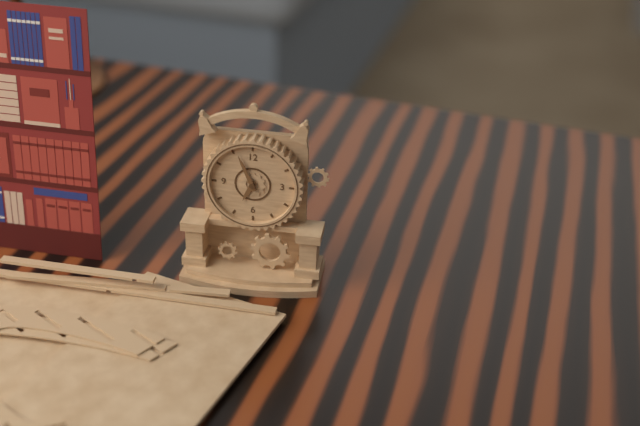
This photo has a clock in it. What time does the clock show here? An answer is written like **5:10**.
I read **6:56**
